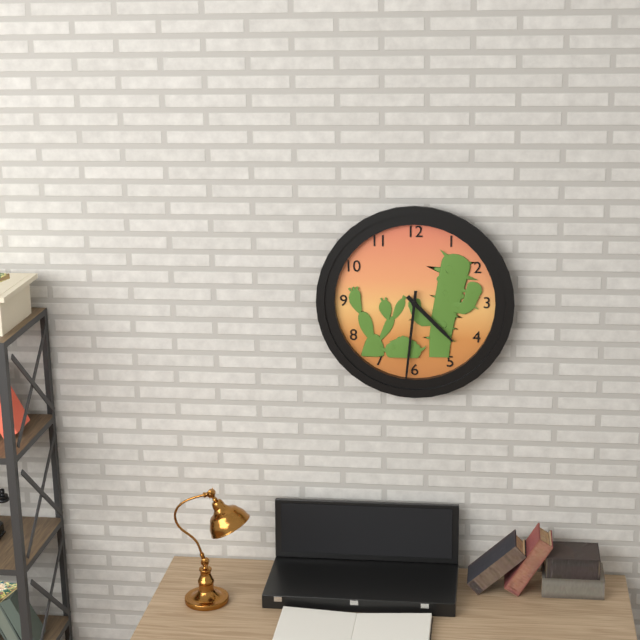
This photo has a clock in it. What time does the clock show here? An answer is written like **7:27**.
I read **4:31**
